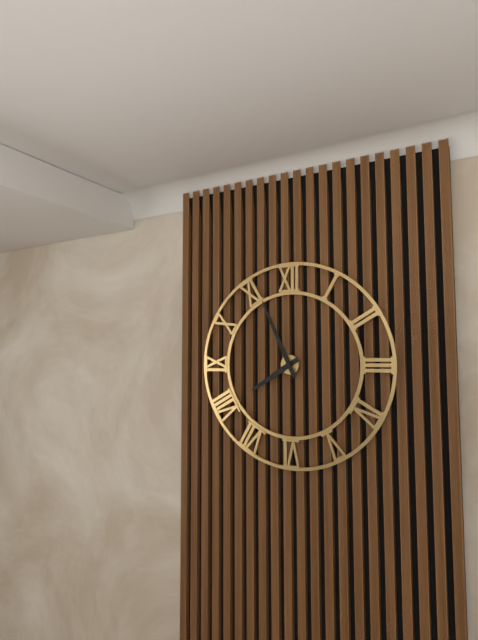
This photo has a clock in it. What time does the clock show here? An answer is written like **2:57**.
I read **7:56**
